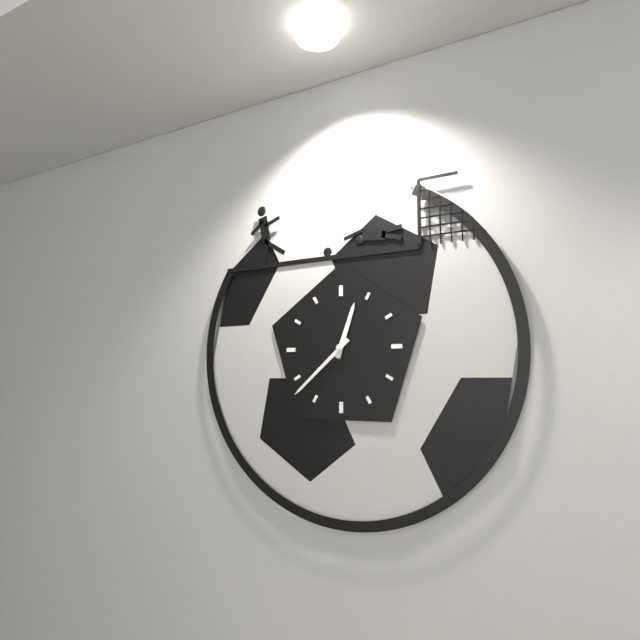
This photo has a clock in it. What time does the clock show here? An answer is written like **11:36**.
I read **12:38**
